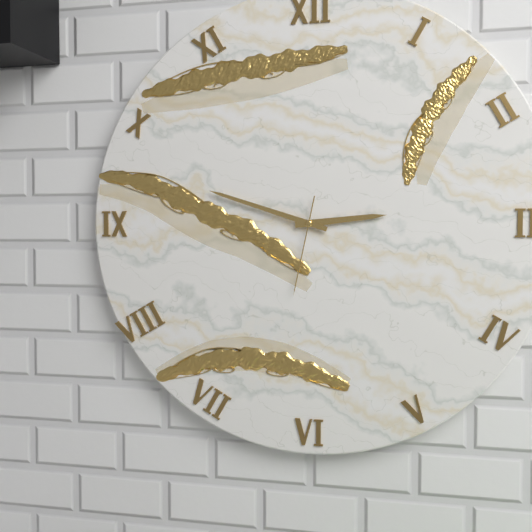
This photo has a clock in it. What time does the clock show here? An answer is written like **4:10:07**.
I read **2:48:32**
